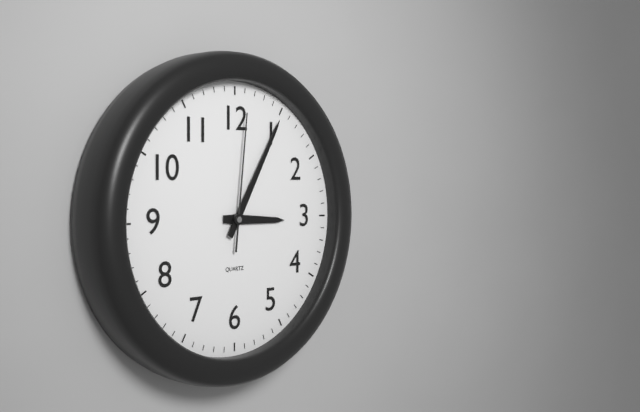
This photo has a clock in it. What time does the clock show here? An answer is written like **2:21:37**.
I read **3:05:01**
